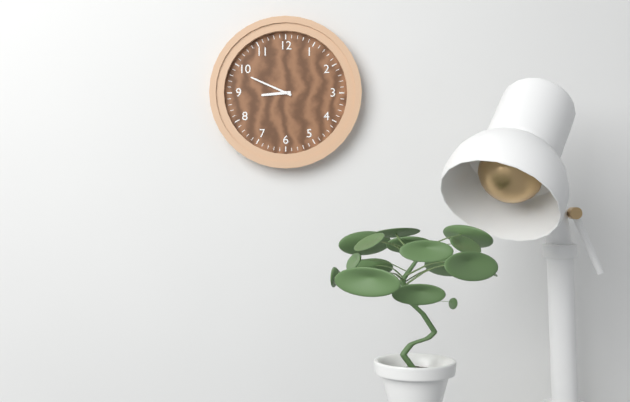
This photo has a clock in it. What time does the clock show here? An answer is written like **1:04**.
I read **8:49**
